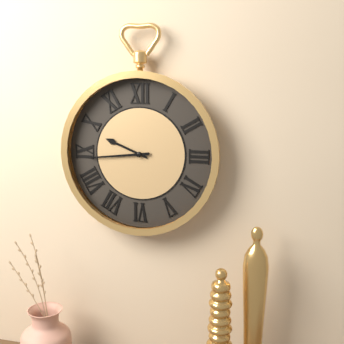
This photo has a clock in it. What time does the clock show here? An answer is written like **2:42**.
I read **9:44**
